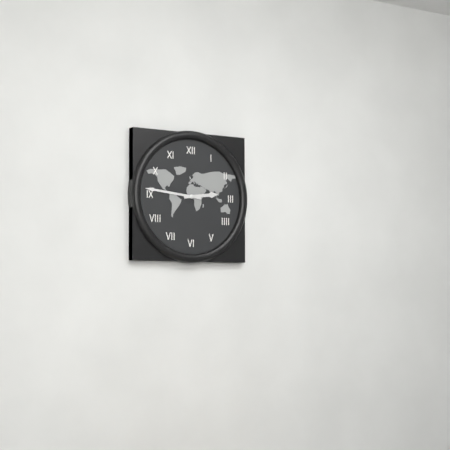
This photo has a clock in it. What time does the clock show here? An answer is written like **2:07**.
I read **2:46**
